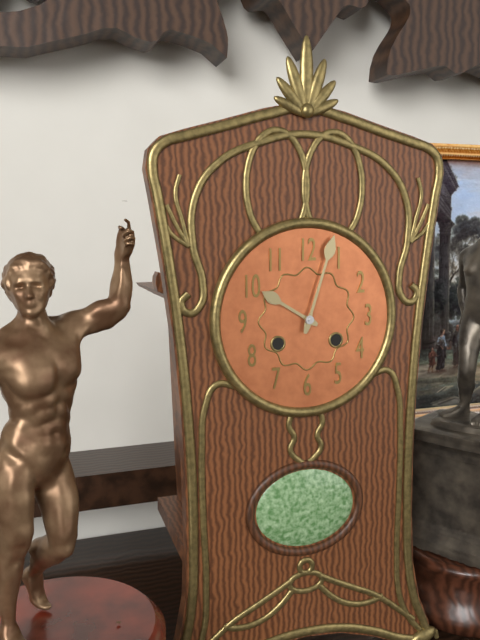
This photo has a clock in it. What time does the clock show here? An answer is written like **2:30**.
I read **10:03**
